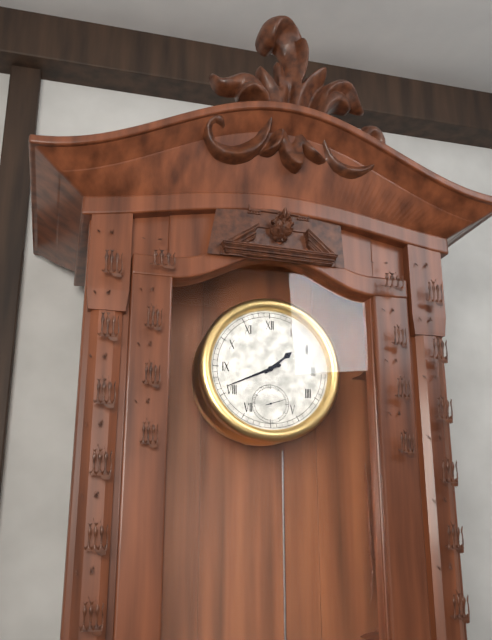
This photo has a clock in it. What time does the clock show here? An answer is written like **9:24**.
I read **1:41**
